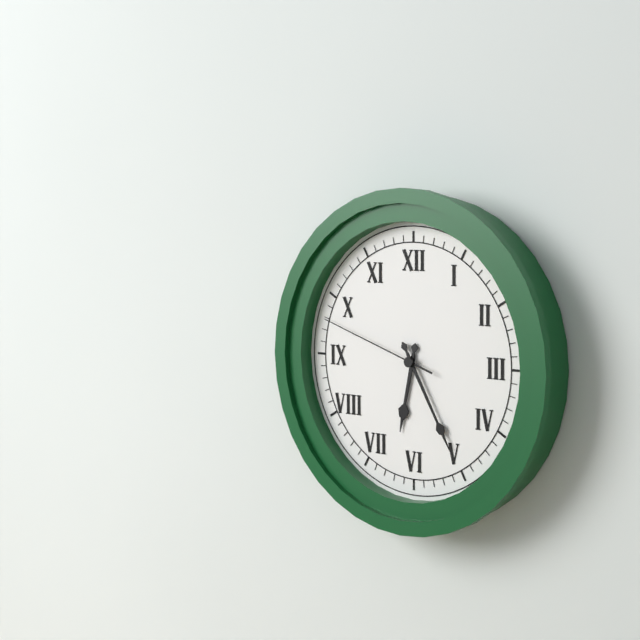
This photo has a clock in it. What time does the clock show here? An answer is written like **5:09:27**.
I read **6:25:48**
